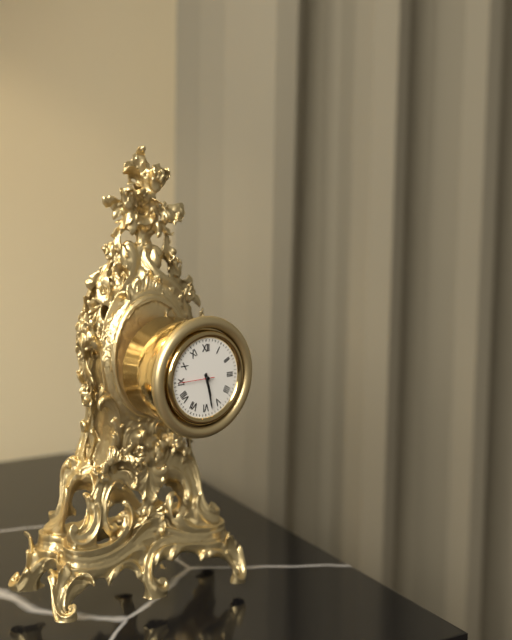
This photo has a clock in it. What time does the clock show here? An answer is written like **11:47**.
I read **5:28**
